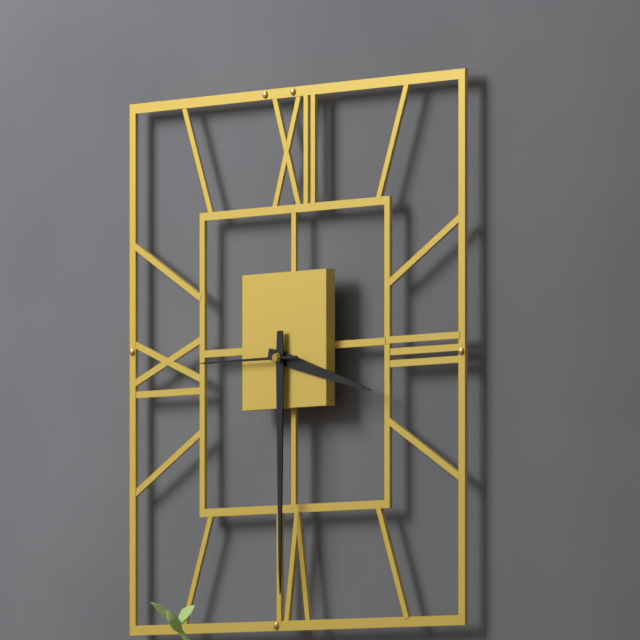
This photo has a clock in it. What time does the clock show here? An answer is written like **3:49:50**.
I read **3:30:45**
